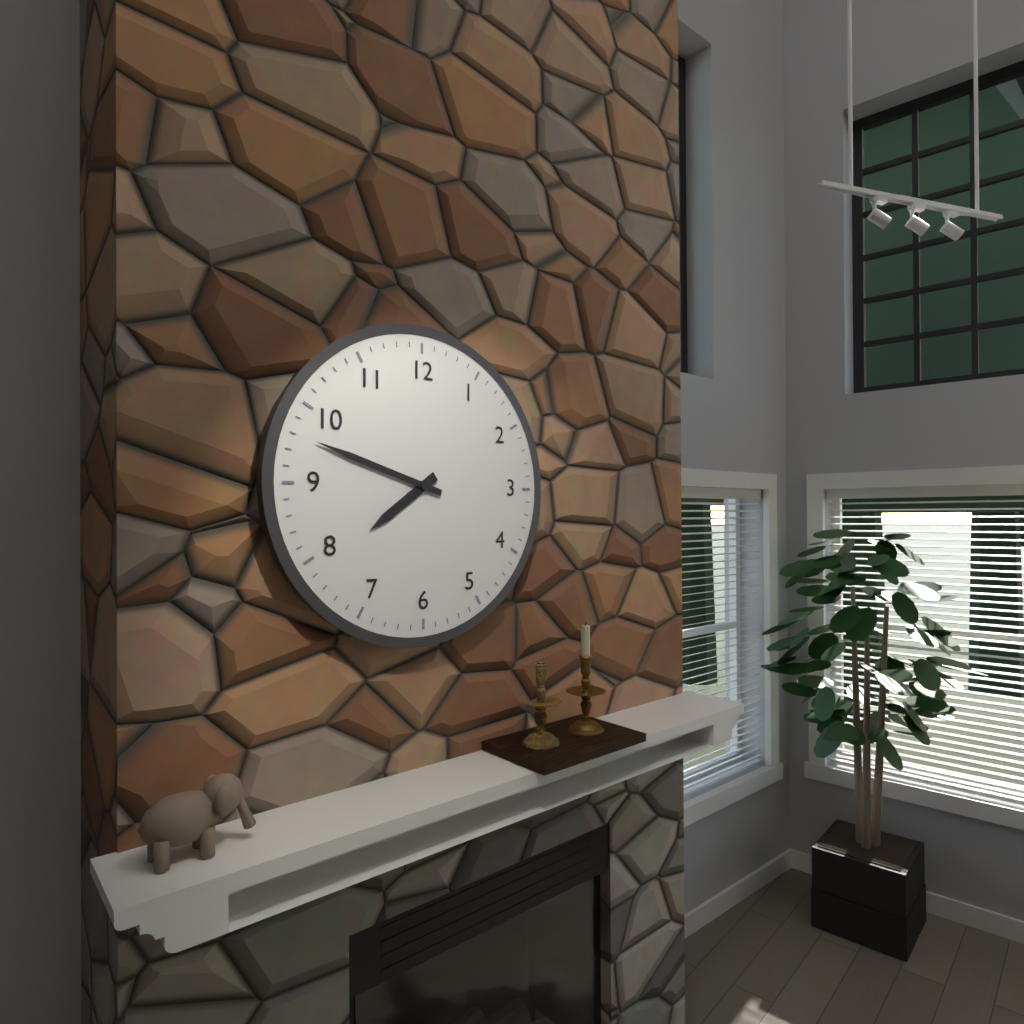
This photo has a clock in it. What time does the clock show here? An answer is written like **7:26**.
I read **7:48**
